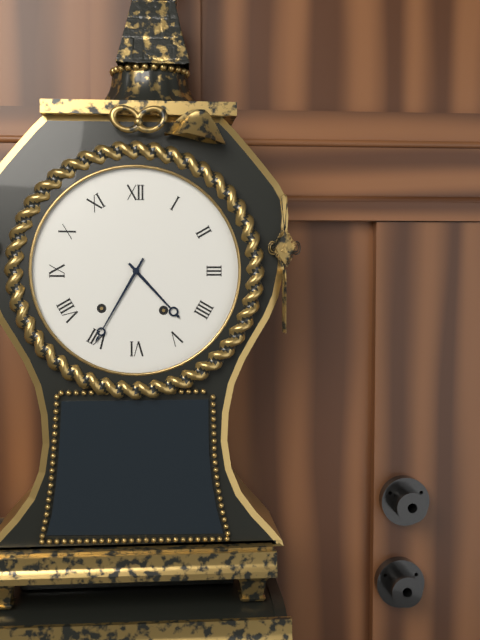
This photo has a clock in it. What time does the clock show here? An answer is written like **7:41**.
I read **4:35**
